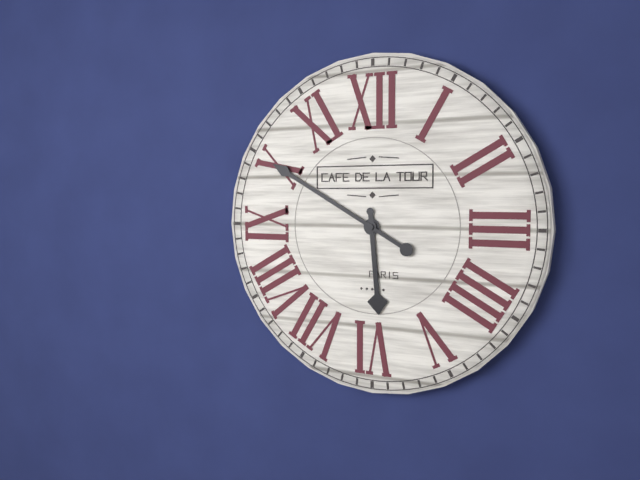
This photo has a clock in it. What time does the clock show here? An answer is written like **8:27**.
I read **5:50**
